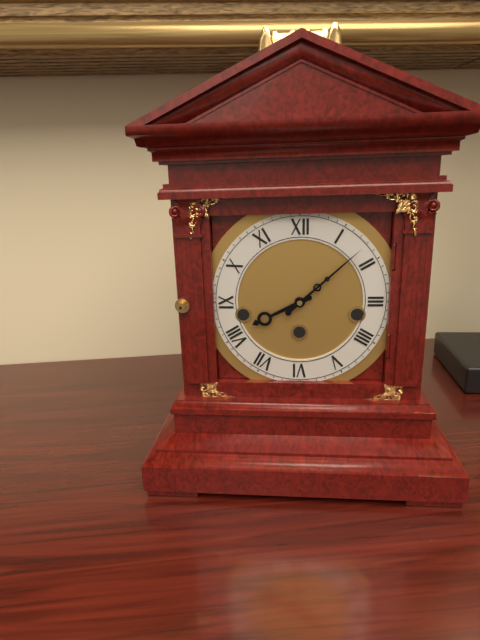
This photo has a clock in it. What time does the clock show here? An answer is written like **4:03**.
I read **8:08**
